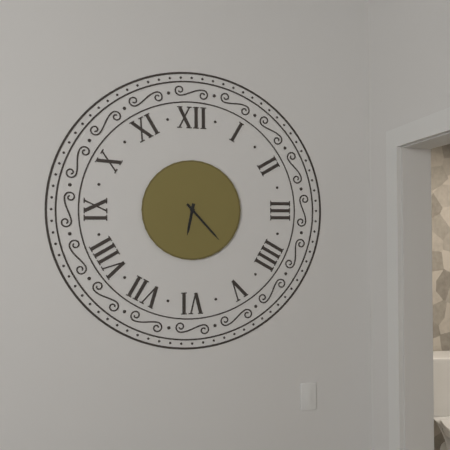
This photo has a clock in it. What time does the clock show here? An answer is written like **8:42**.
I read **6:23**
